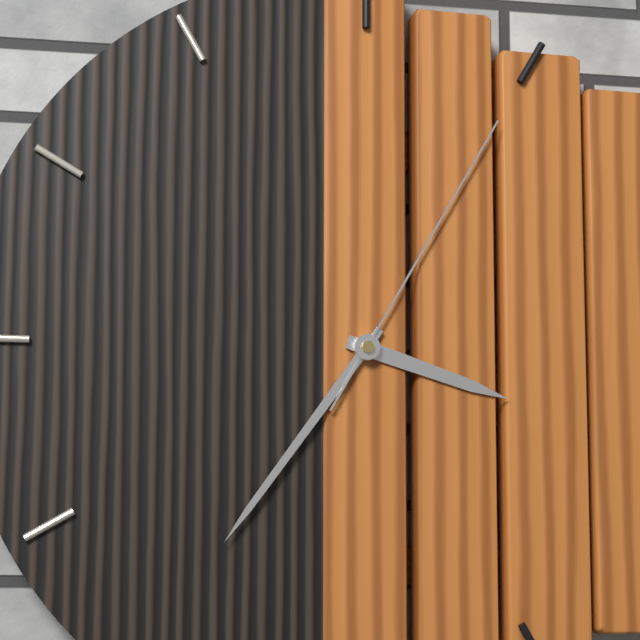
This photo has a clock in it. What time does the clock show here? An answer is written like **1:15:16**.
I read **3:36:05**
